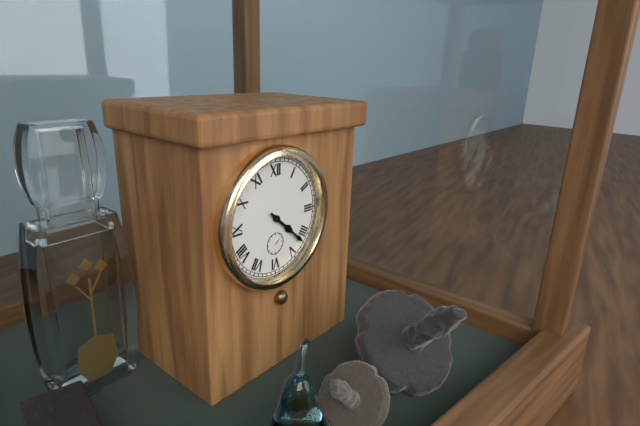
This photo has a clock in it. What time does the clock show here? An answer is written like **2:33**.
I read **4:22**
